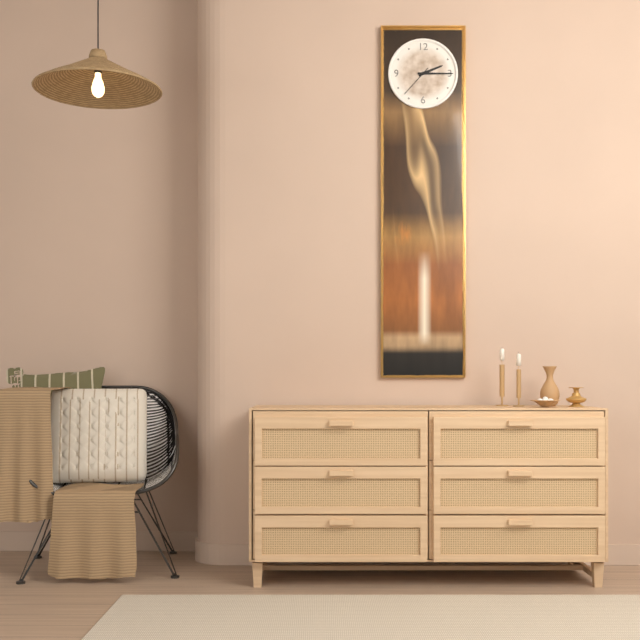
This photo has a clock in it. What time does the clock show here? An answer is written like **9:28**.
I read **2:15**
